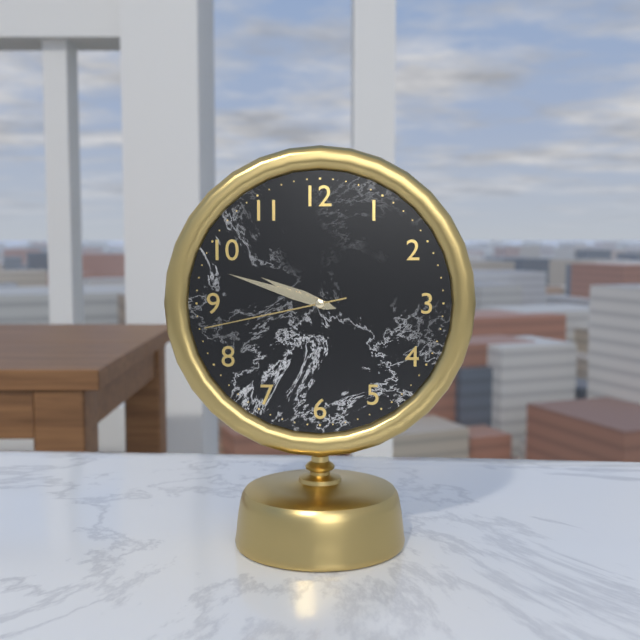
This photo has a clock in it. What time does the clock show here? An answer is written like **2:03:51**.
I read **9:48:43**
